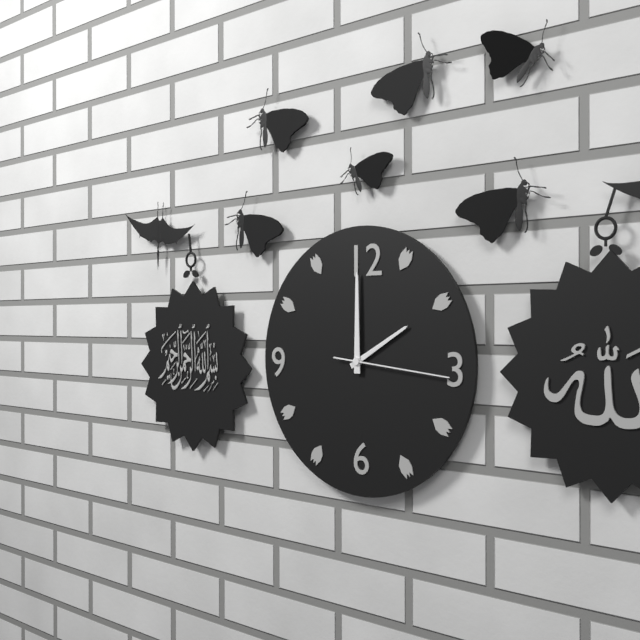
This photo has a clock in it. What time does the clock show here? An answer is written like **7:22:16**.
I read **2:00:16**
